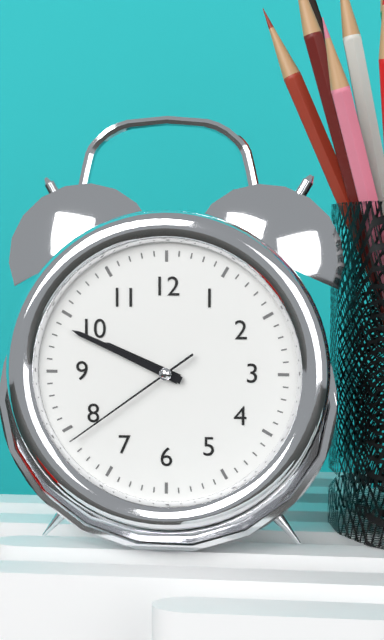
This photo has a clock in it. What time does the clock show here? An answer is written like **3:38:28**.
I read **9:49:39**
